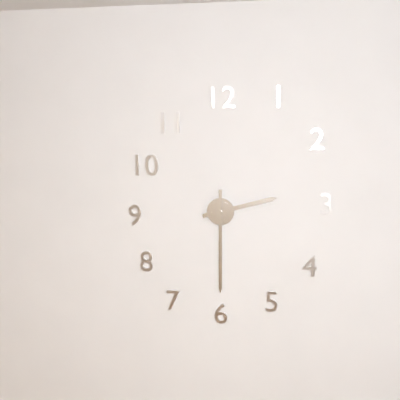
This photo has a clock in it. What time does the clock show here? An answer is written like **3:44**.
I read **2:30**
